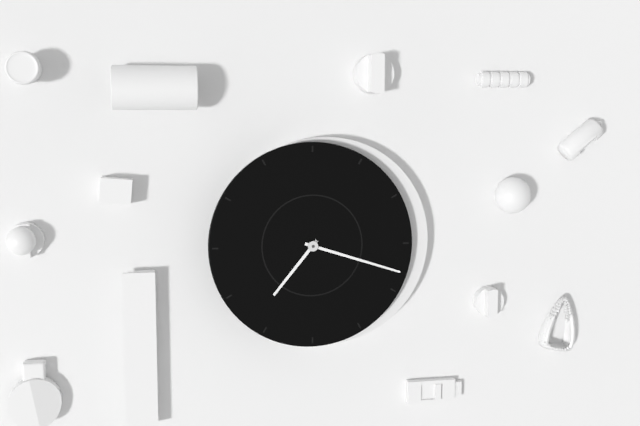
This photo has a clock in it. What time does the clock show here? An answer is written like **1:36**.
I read **7:18**
